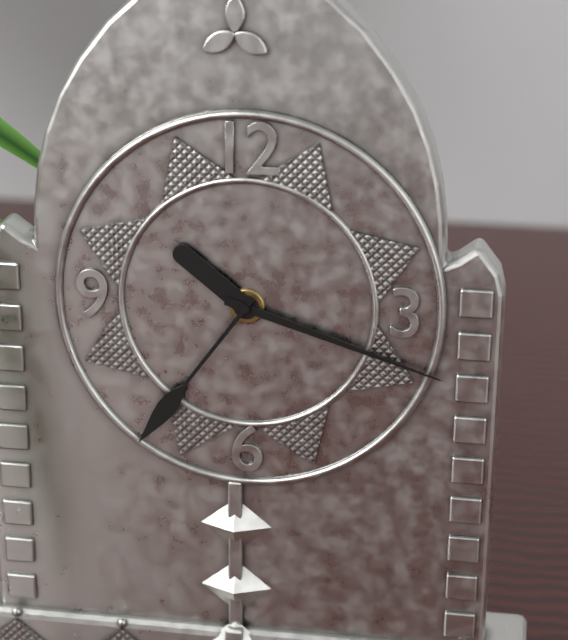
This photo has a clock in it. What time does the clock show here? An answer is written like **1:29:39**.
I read **10:18:36**
